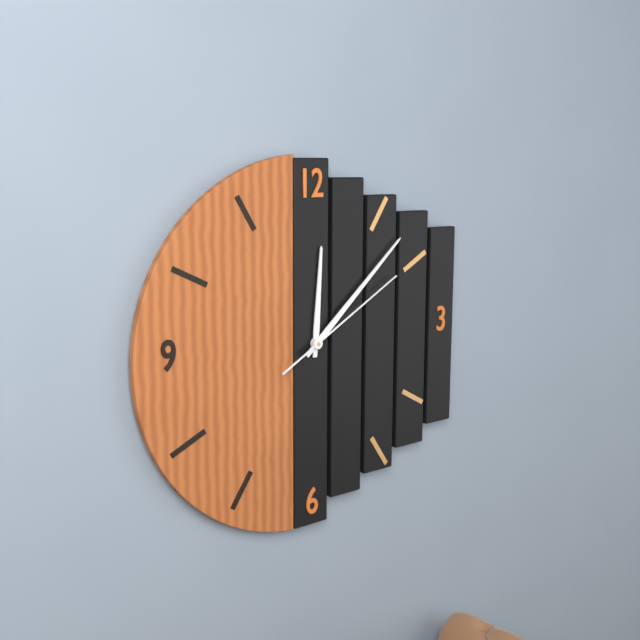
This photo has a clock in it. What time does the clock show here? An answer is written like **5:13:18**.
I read **12:08:10**
